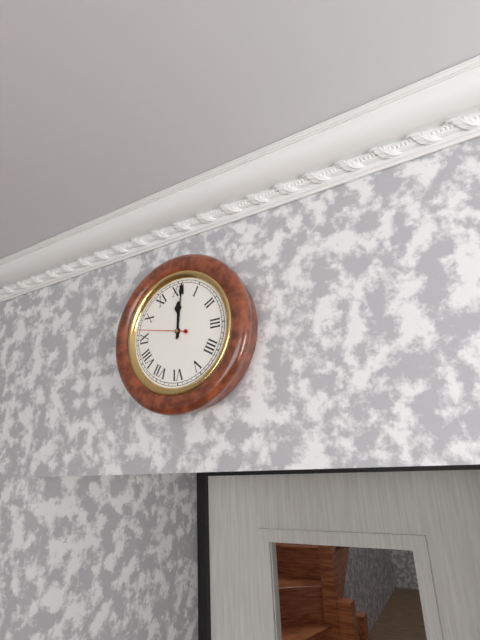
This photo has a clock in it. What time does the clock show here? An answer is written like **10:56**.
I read **12:01**
